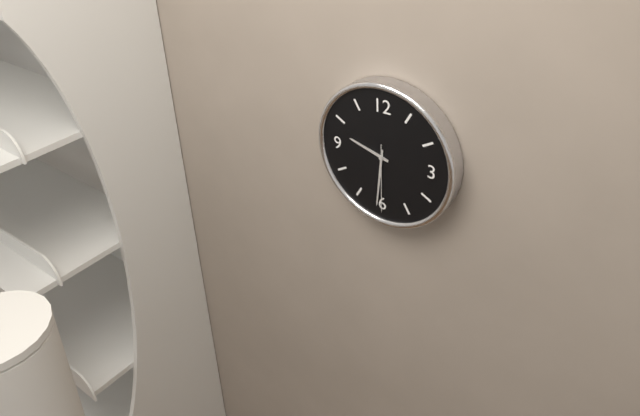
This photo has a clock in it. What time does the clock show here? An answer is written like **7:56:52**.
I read **9:31:30**
